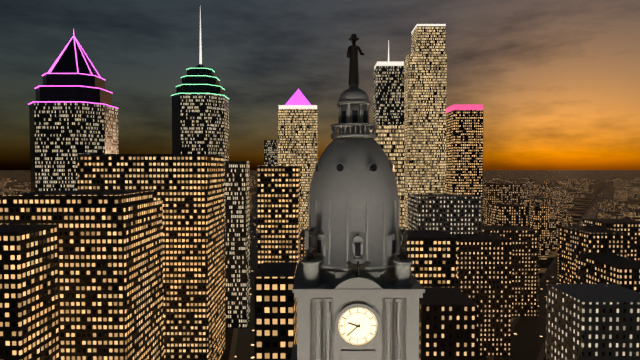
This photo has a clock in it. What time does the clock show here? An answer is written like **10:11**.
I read **9:38**
